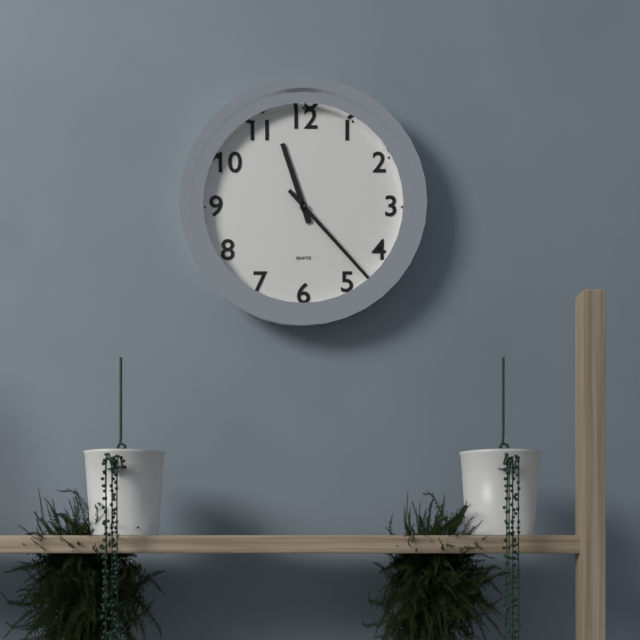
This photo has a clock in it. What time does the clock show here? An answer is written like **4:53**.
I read **11:23**
